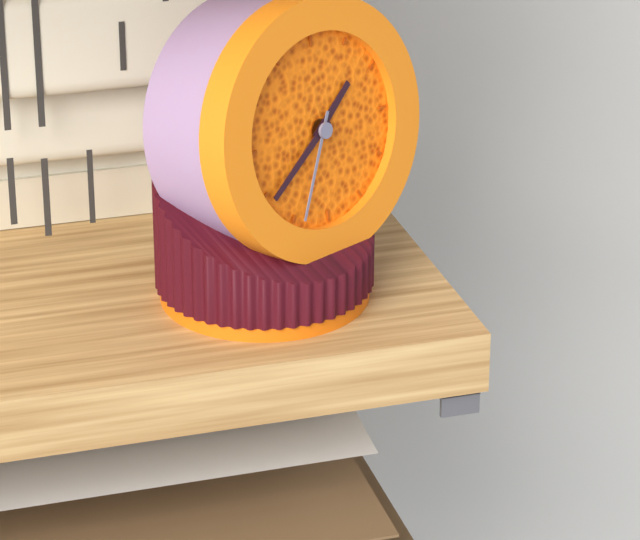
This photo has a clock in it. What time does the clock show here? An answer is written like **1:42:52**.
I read **1:39:34**
